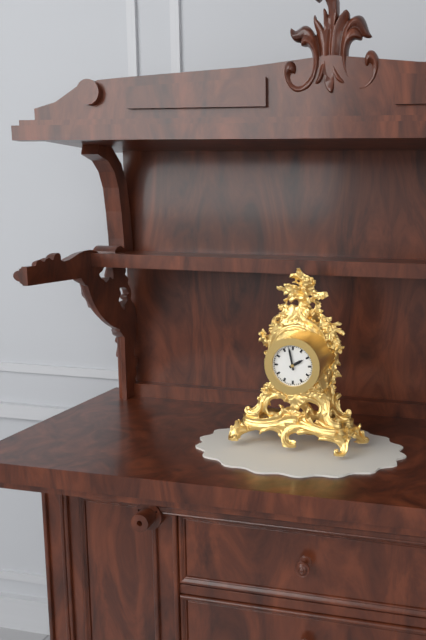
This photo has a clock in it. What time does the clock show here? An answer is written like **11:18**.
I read **1:58**
